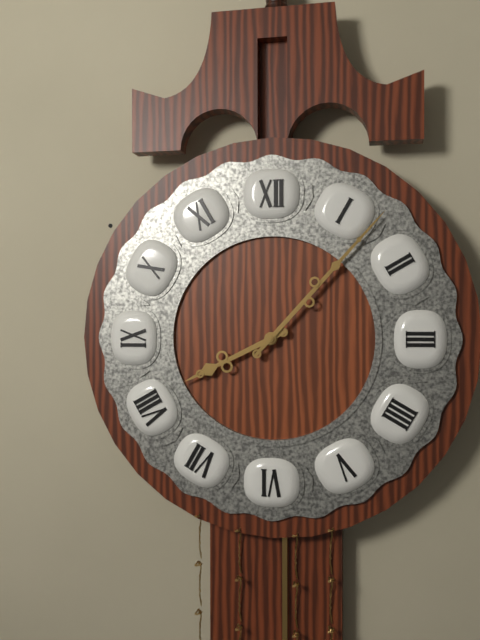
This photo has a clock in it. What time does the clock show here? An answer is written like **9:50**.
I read **8:07**
